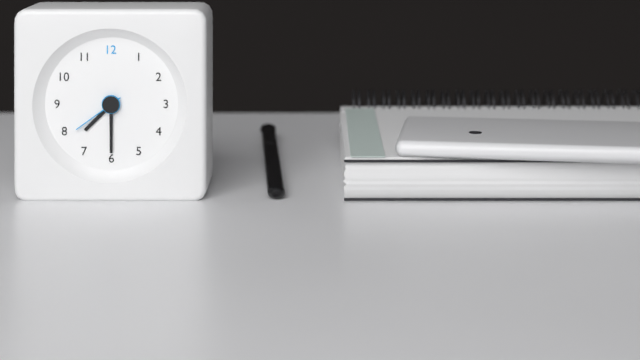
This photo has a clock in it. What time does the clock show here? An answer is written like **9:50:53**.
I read **7:30:39**
